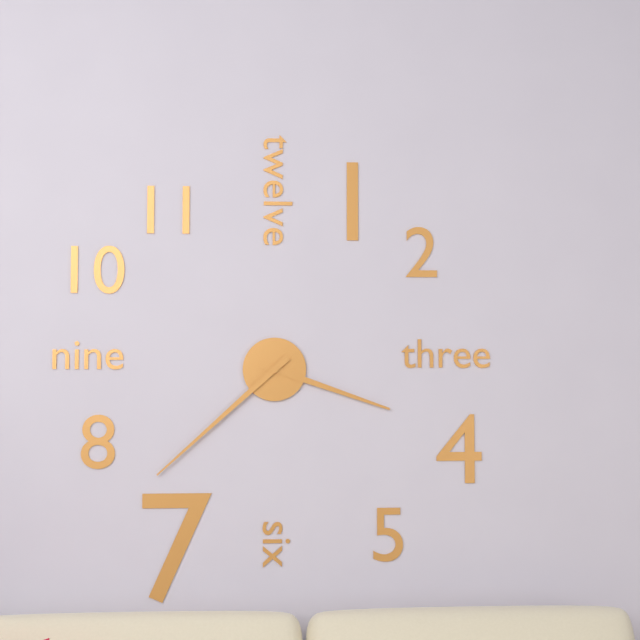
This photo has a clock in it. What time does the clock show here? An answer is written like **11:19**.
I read **3:38**
